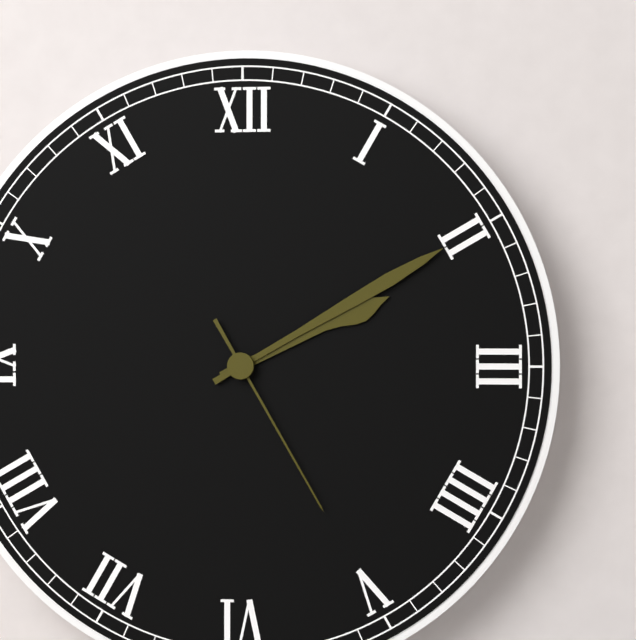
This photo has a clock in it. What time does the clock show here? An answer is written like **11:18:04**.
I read **2:10:25**
